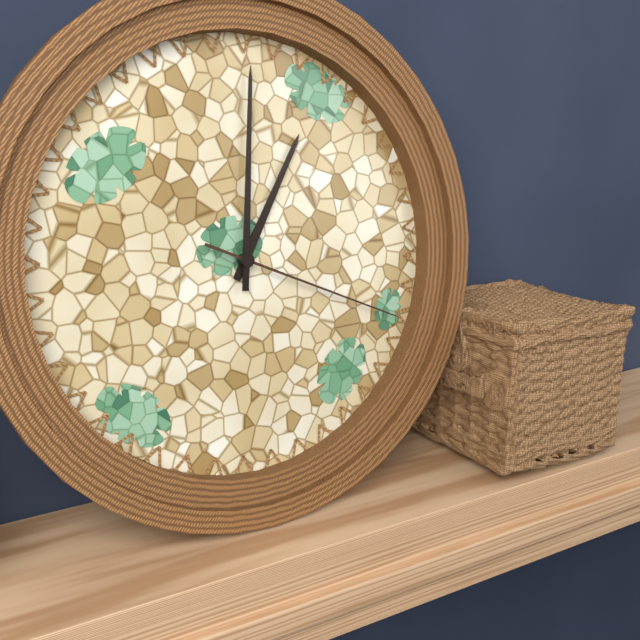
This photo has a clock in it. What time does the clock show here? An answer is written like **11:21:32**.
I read **1:01:19**
